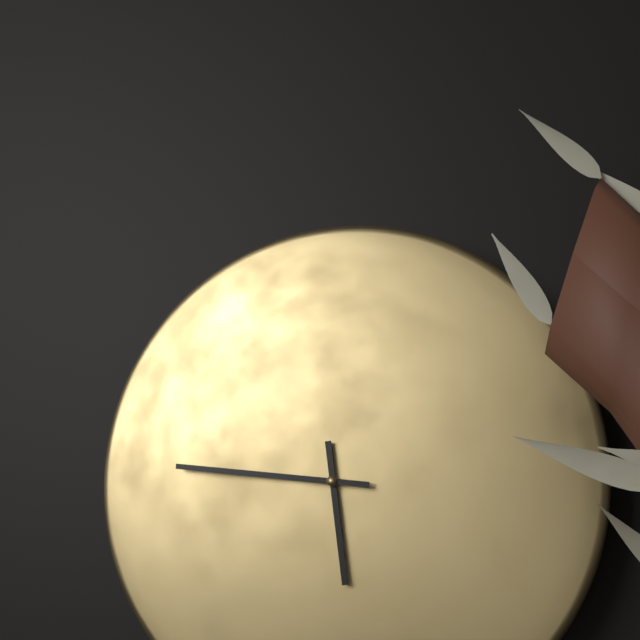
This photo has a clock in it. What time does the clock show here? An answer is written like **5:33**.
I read **5:46**
